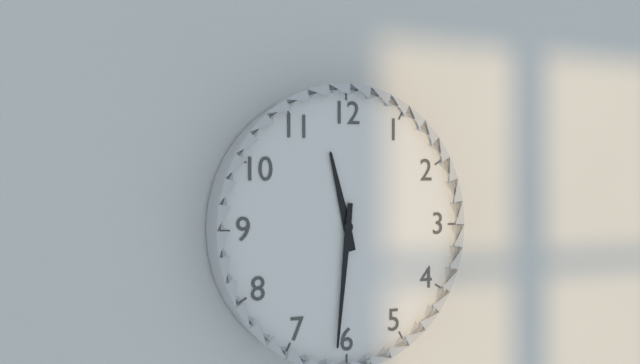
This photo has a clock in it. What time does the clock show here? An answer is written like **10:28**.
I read **11:31**
